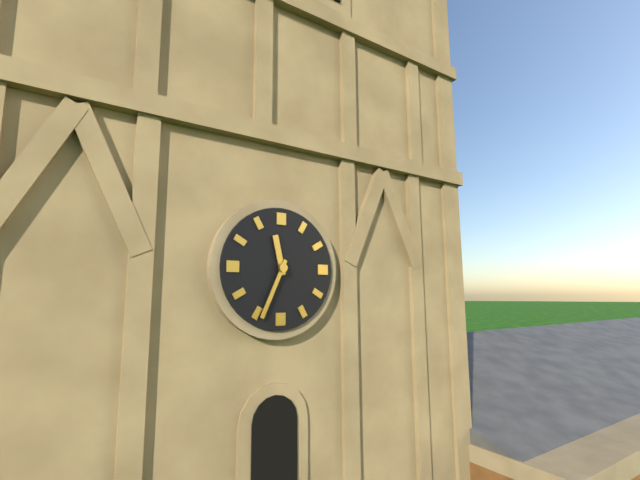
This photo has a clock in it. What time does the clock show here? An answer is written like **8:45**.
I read **11:34**
